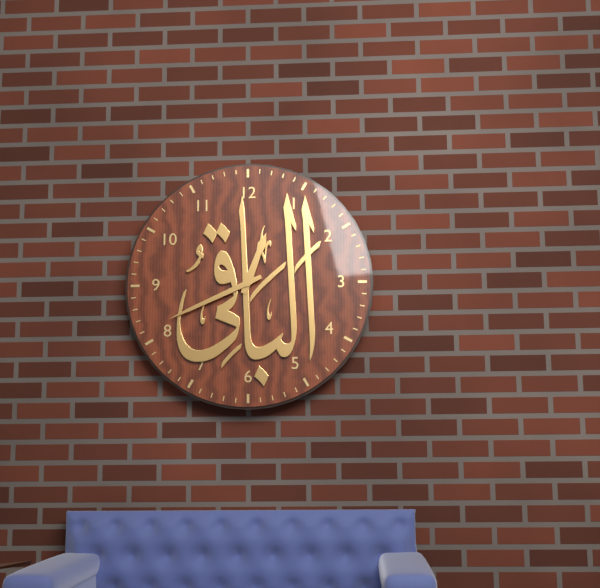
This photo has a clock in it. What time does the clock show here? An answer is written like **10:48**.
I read **12:41**
